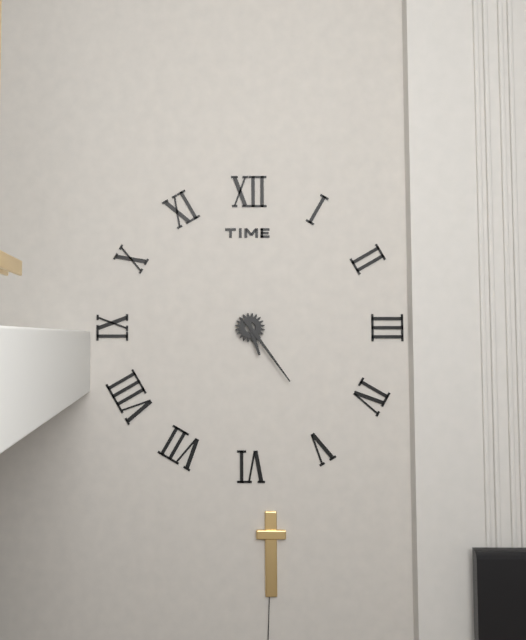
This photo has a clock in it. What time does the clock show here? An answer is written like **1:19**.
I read **5:24**
